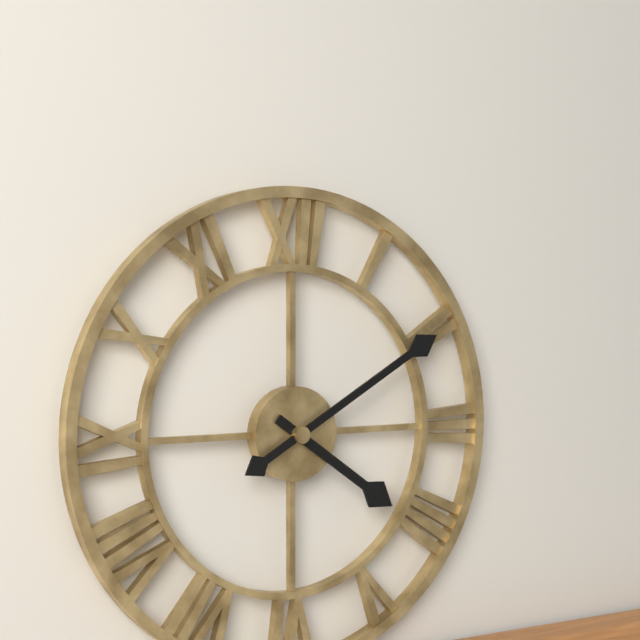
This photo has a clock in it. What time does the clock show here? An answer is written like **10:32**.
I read **4:10**
